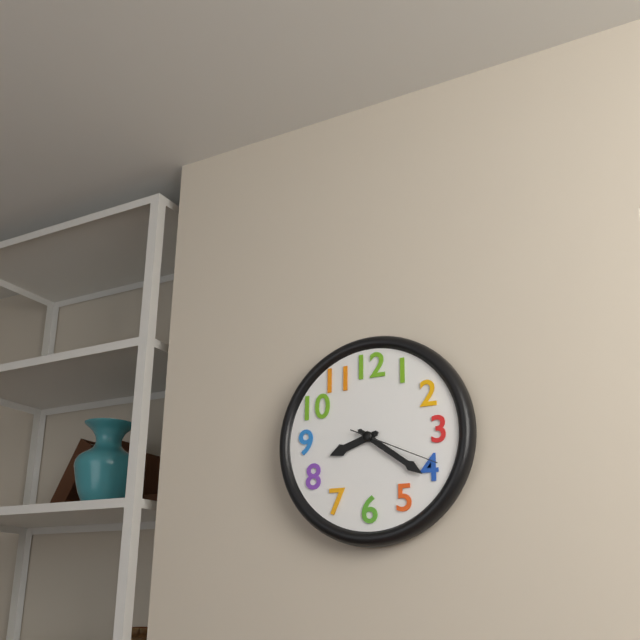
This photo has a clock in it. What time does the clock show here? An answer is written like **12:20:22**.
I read **8:21:19**
